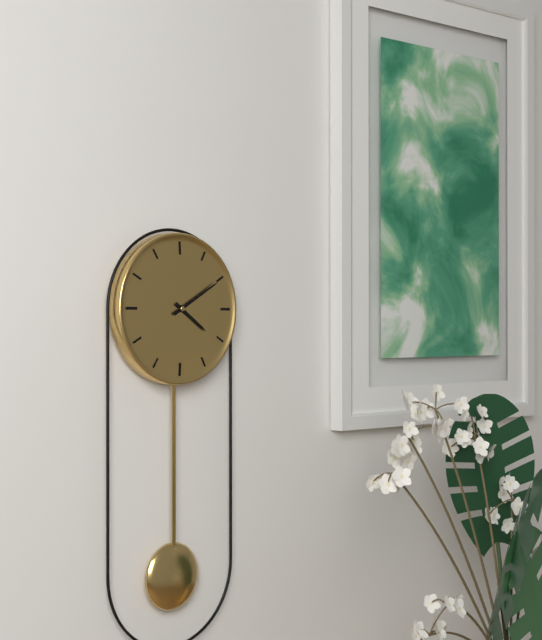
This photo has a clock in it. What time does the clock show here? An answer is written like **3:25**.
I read **4:10**
